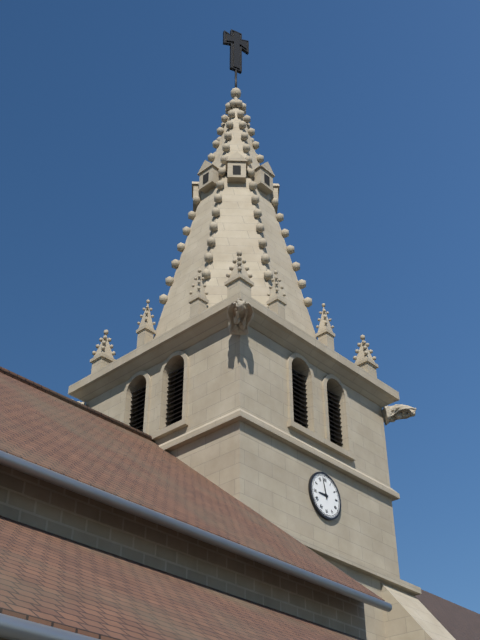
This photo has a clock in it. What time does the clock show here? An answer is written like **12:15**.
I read **8:58**
